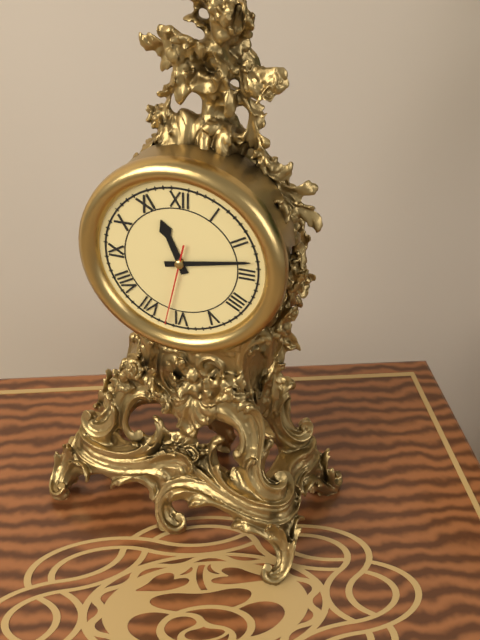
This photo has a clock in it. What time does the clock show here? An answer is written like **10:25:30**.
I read **11:13:32**
